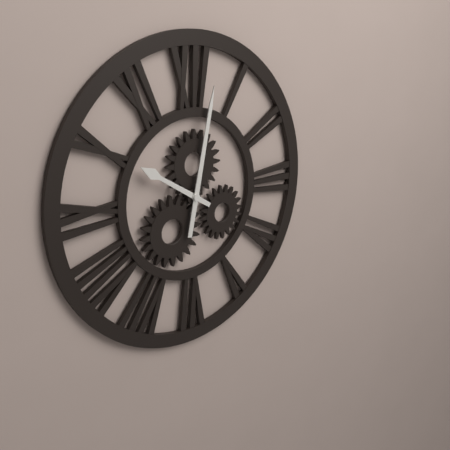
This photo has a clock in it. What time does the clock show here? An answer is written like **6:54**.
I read **10:02**
